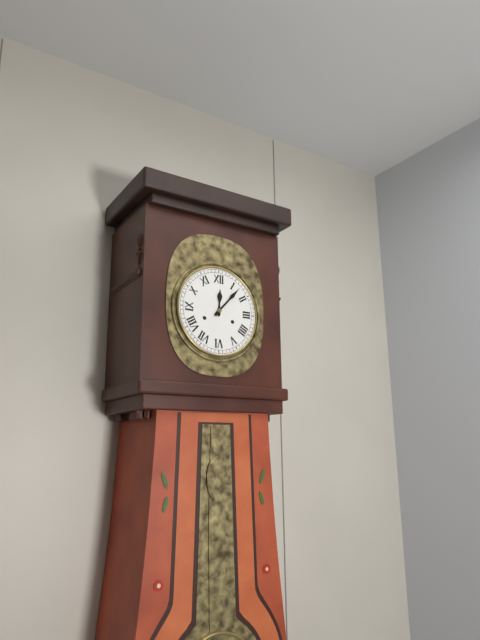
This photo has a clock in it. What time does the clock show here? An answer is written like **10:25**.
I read **12:07**
